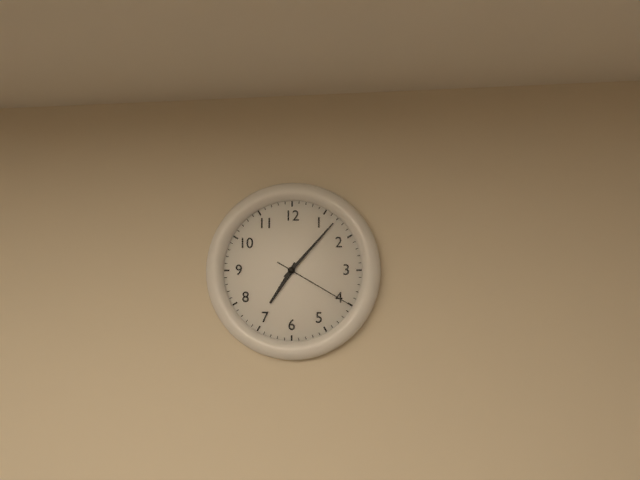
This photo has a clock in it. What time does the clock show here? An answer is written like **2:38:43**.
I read **7:07:20**
